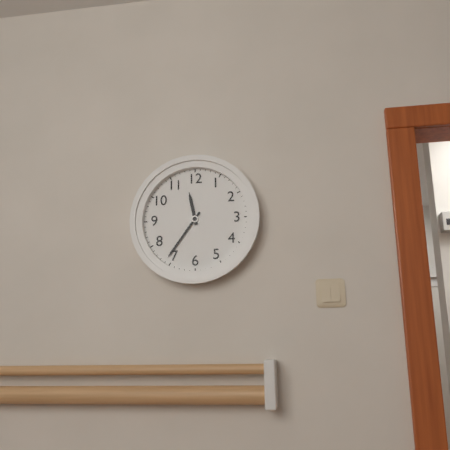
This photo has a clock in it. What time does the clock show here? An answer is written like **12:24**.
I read **11:36**
